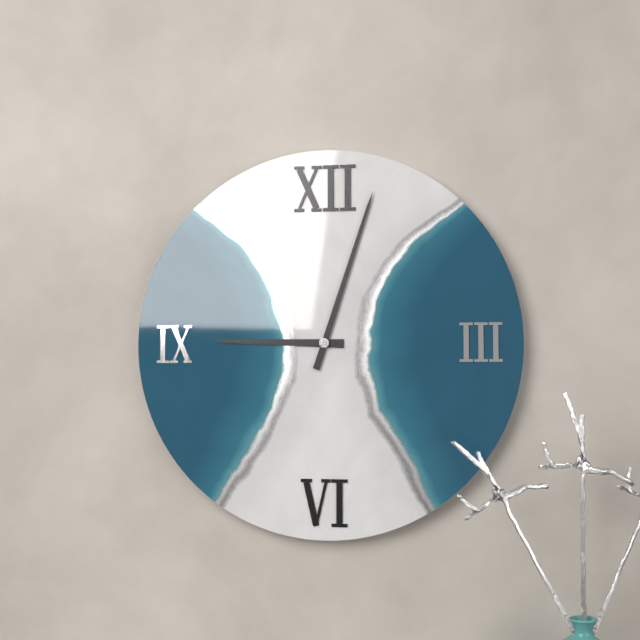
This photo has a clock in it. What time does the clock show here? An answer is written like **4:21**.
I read **9:03**
